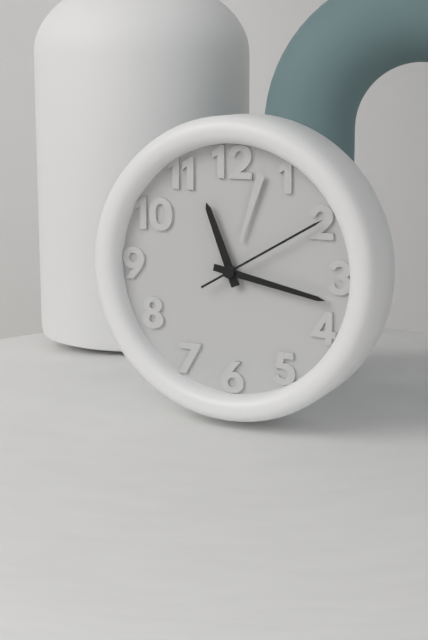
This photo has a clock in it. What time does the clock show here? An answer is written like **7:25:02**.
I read **11:17:10**
